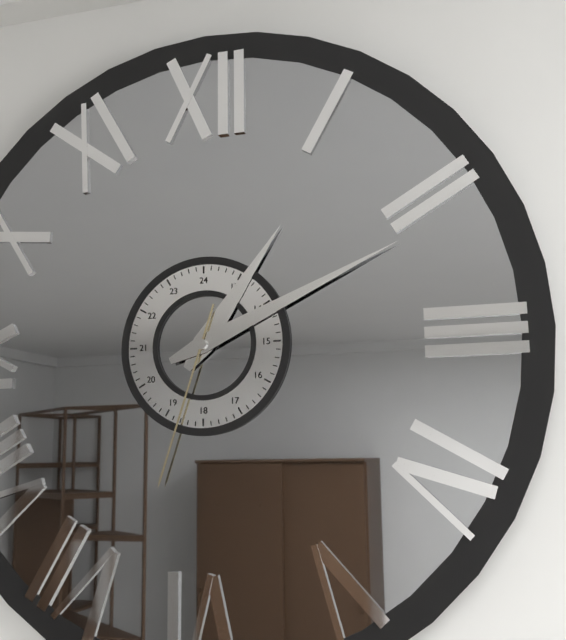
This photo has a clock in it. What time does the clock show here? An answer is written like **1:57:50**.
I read **1:11:33**
